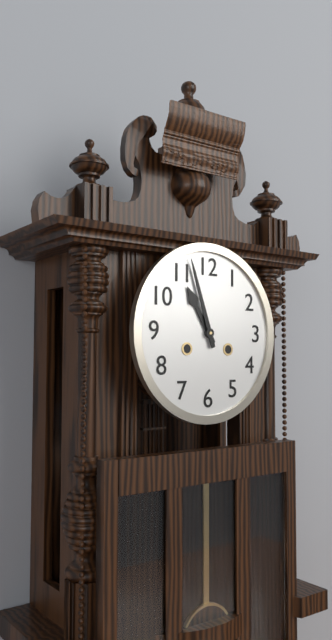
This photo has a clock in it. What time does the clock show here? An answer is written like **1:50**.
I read **10:57**
